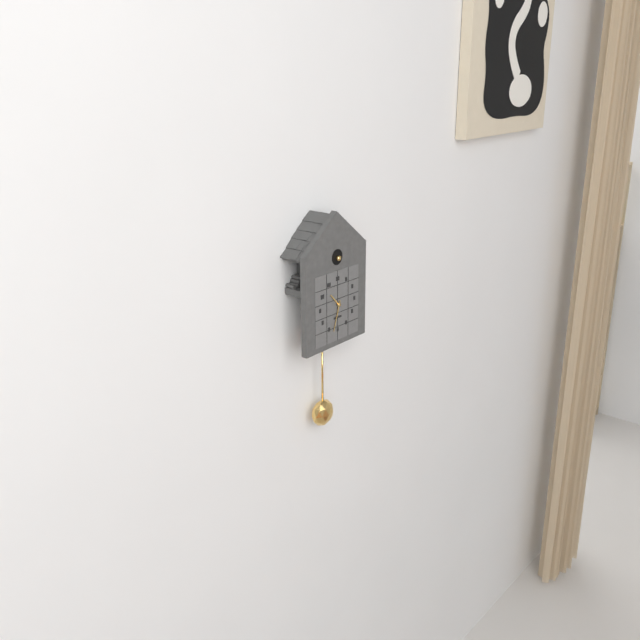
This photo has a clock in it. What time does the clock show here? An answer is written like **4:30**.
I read **10:33**
